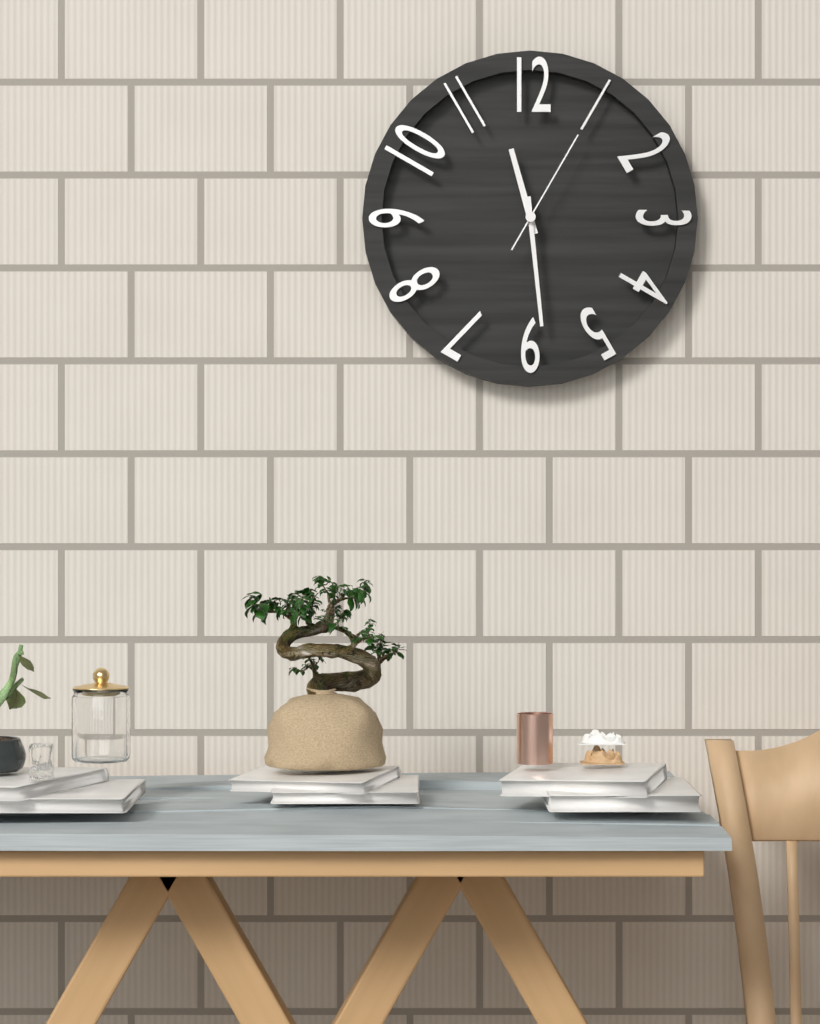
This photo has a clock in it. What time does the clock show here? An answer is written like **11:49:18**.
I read **11:29:05**
